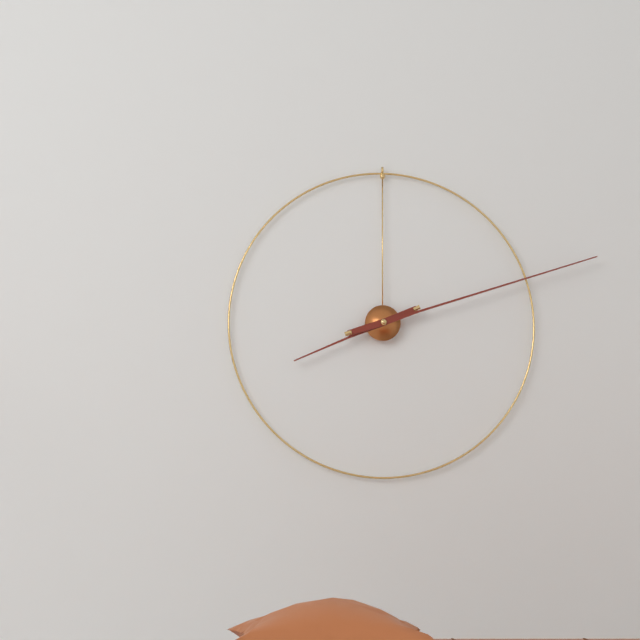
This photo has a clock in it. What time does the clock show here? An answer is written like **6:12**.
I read **8:12**
